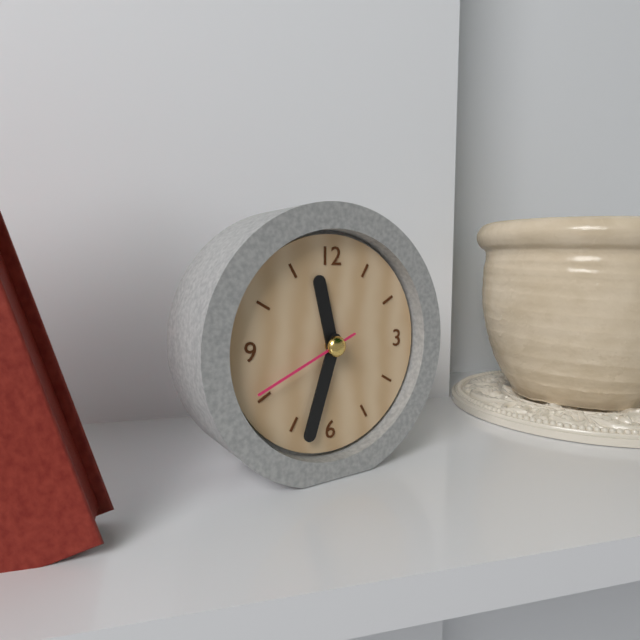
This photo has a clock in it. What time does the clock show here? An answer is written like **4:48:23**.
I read **11:33:41**
